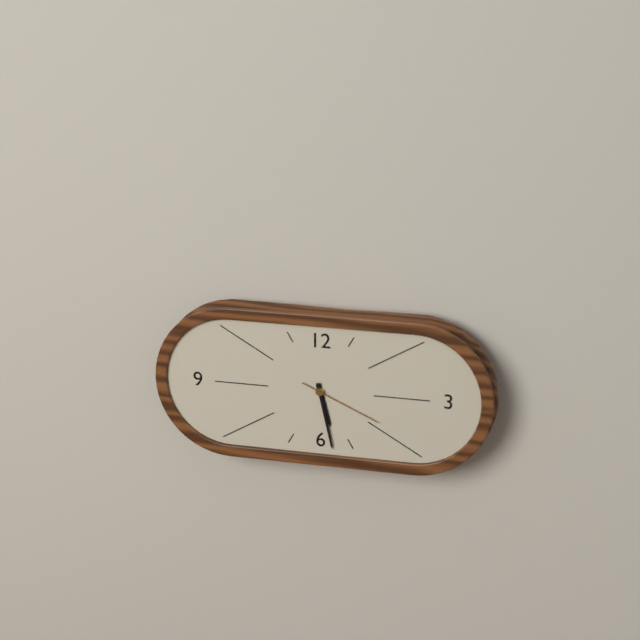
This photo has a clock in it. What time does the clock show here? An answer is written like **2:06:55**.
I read **5:28:19**
